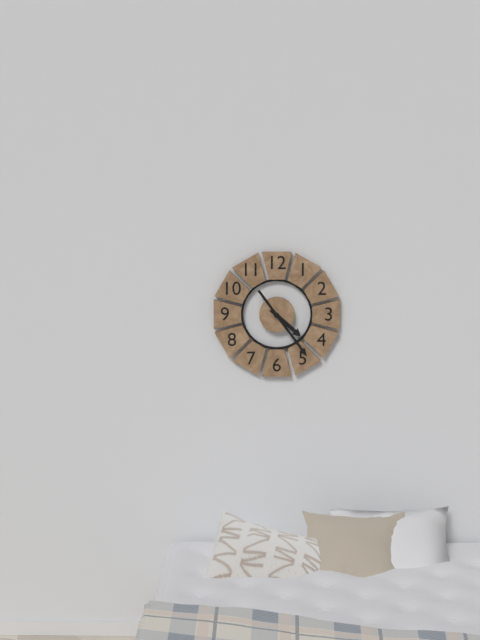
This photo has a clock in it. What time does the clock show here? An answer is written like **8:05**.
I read **4:24**
